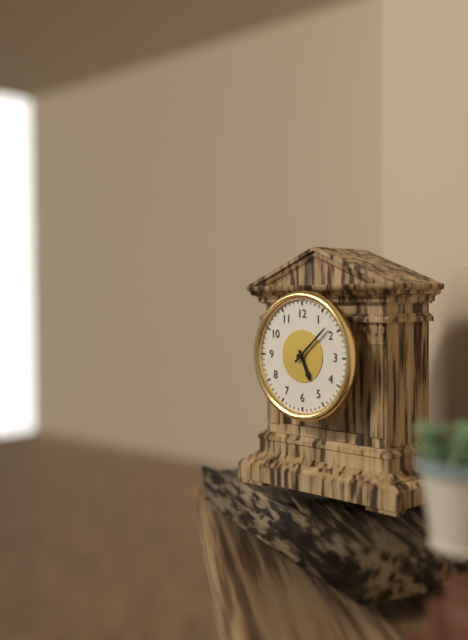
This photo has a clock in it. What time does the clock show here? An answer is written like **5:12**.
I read **5:08**
